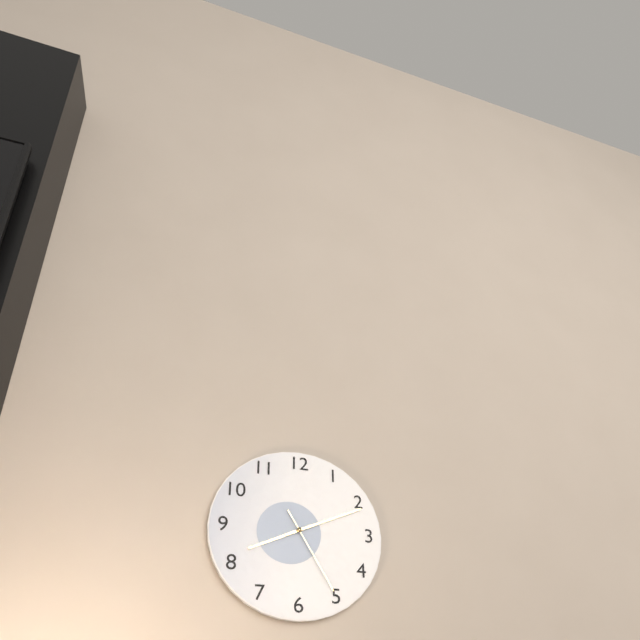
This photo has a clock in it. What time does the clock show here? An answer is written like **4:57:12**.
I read **8:11:25**
